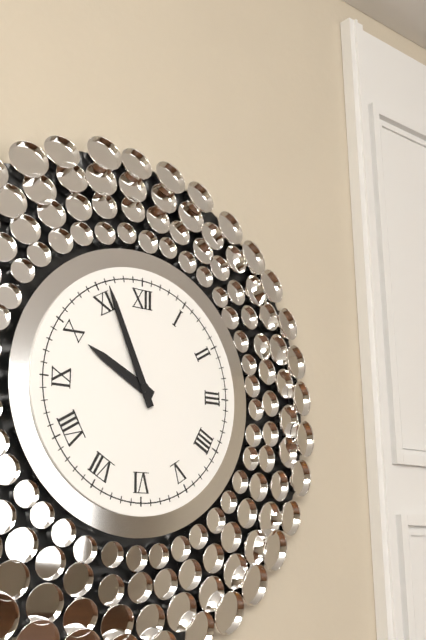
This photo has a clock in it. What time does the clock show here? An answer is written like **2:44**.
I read **9:56**
